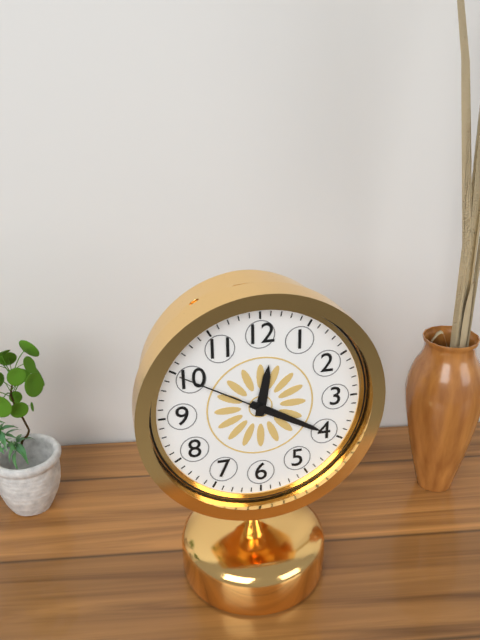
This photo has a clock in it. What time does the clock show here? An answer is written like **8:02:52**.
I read **12:20:50**
